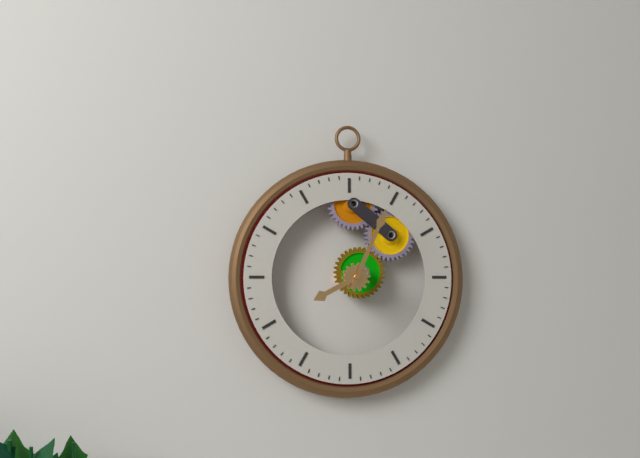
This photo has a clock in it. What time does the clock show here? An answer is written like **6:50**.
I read **8:04**
